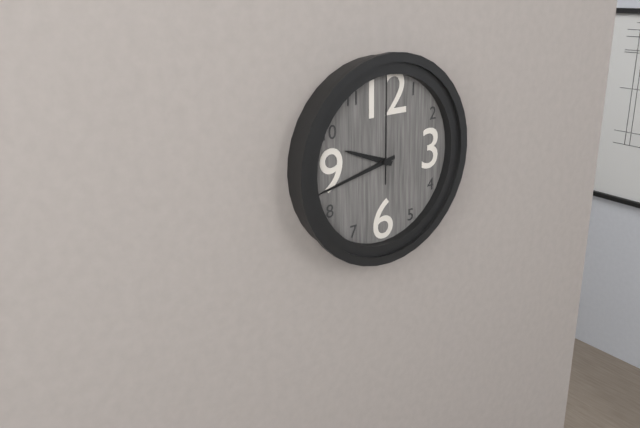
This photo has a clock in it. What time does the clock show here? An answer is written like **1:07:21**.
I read **9:43:00**
